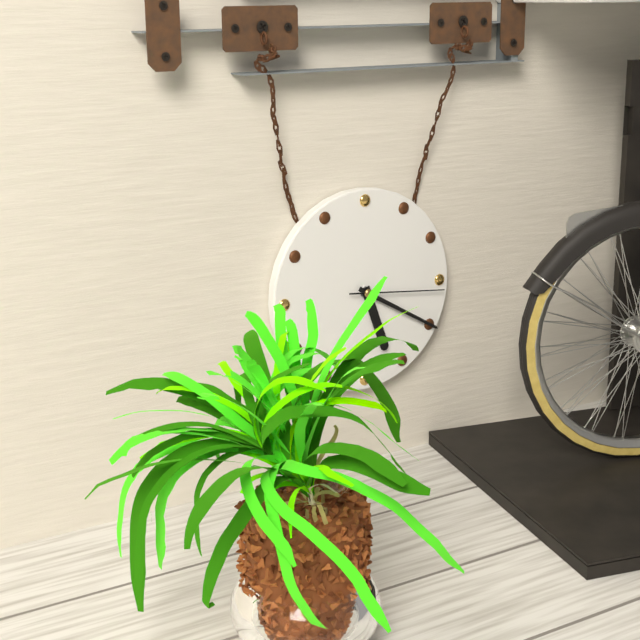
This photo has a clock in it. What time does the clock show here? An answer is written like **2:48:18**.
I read **5:20:16**
